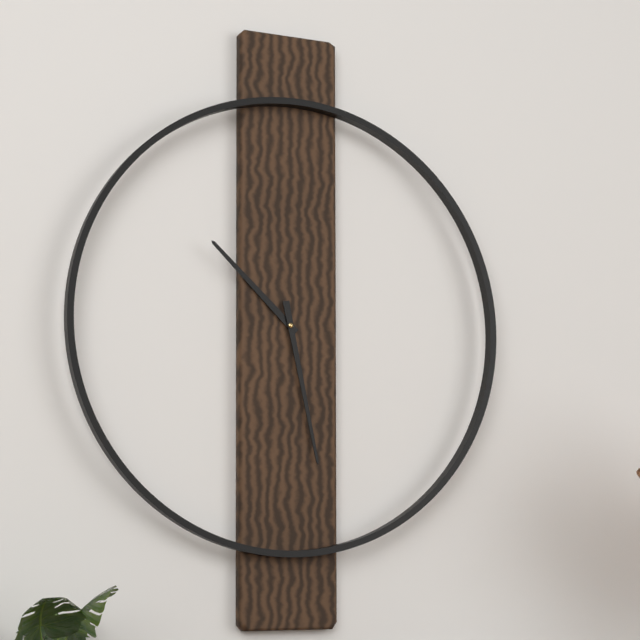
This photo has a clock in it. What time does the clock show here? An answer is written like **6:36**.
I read **10:28**
